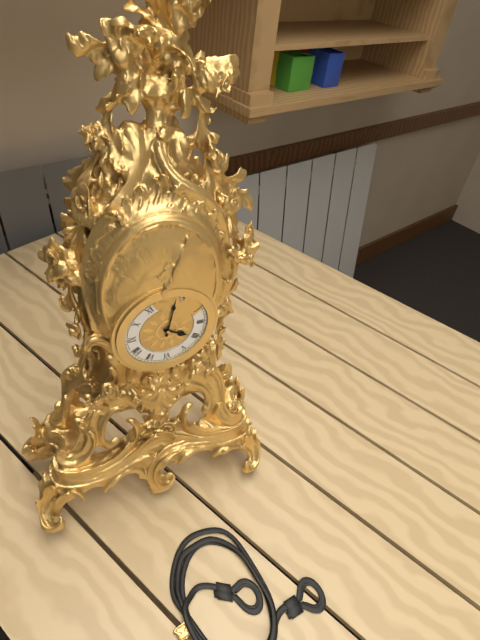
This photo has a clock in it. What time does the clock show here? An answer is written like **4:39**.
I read **4:02**
